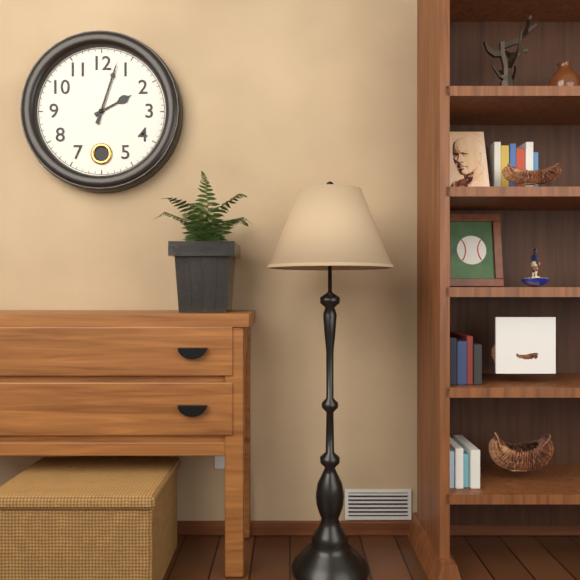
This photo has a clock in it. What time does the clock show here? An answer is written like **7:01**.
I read **2:03**
